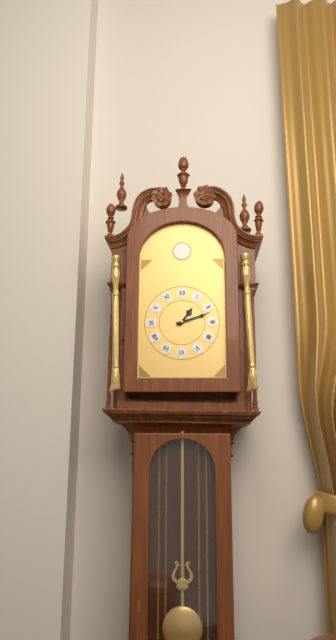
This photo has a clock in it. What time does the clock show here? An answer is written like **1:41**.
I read **1:12**
